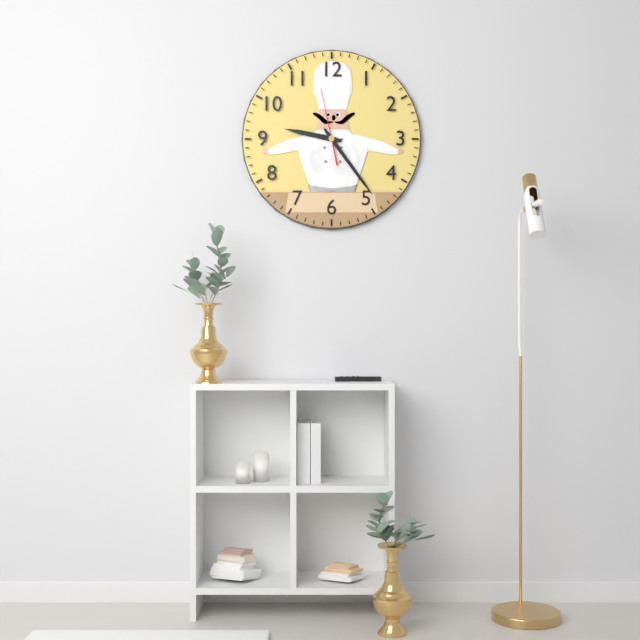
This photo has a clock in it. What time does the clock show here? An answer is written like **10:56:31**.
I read **9:24:58**
